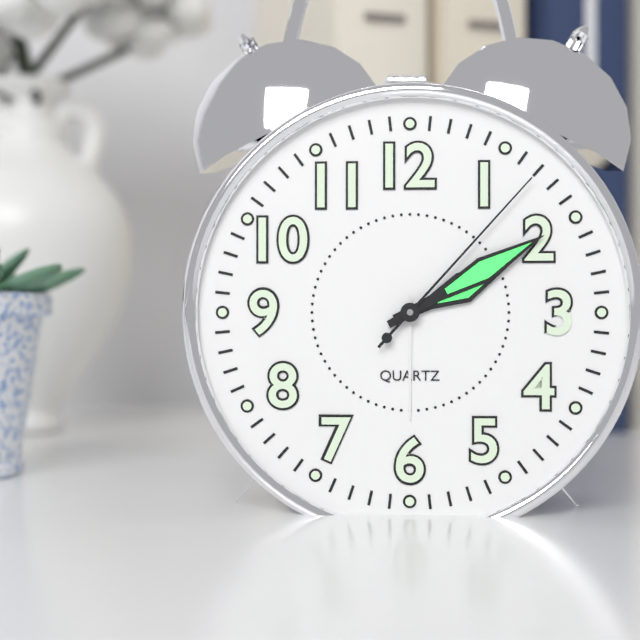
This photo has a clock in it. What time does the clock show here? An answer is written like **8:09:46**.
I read **2:10:07**
